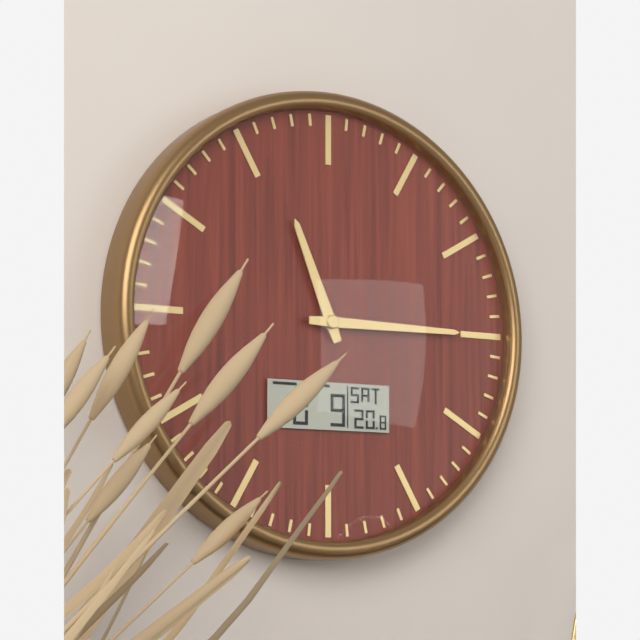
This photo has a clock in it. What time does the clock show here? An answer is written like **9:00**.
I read **11:15**
